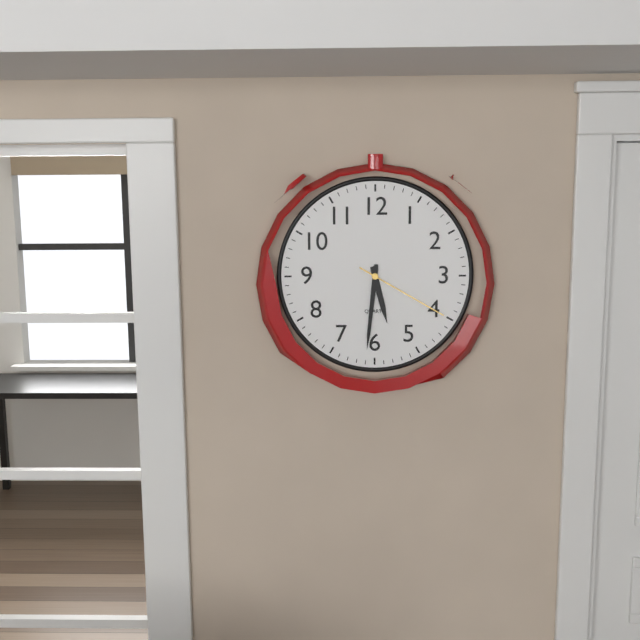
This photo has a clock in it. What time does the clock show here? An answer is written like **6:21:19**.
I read **5:31:20**
